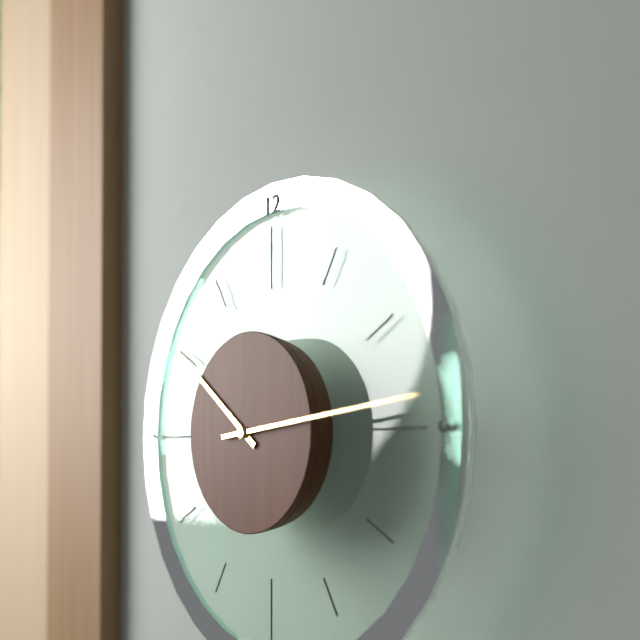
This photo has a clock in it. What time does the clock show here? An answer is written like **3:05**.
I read **10:14**
